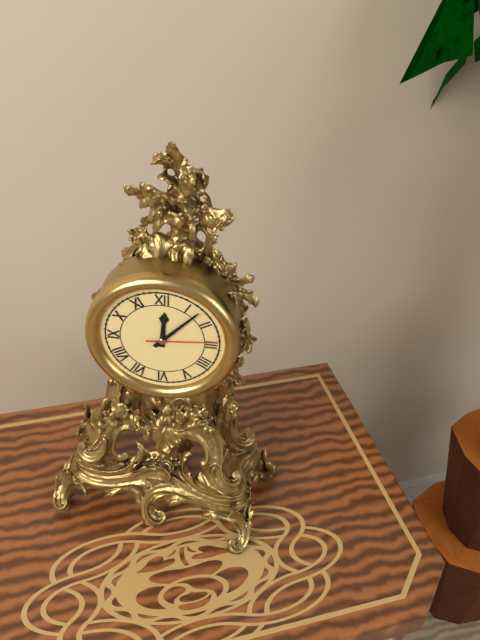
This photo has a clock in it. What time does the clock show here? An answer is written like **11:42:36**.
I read **12:07:14**
